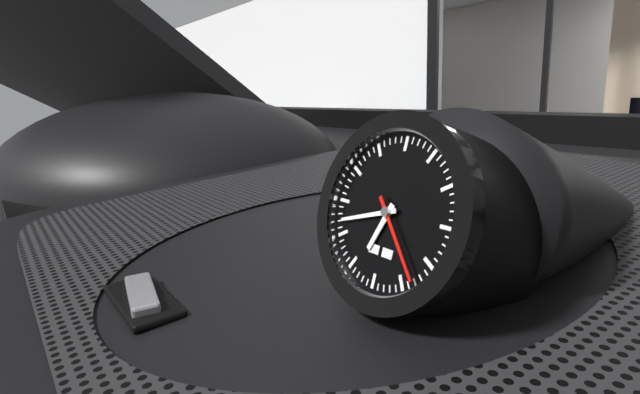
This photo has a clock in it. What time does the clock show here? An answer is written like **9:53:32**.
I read **6:42:23**
